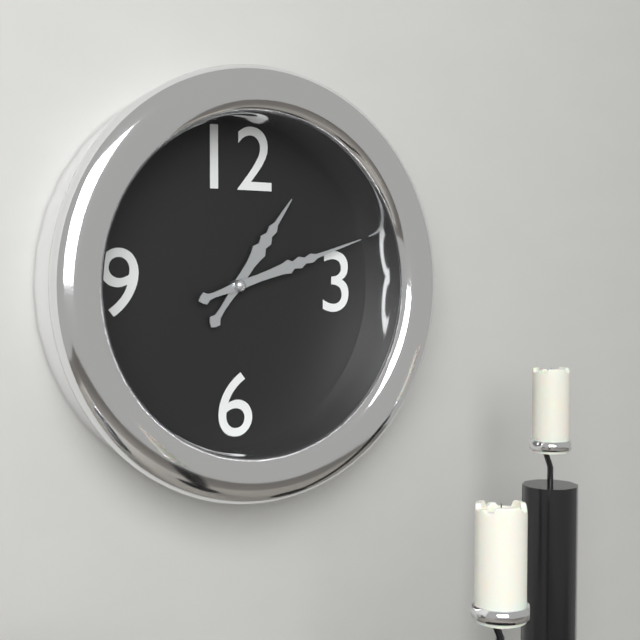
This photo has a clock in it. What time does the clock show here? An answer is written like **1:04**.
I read **1:12**
